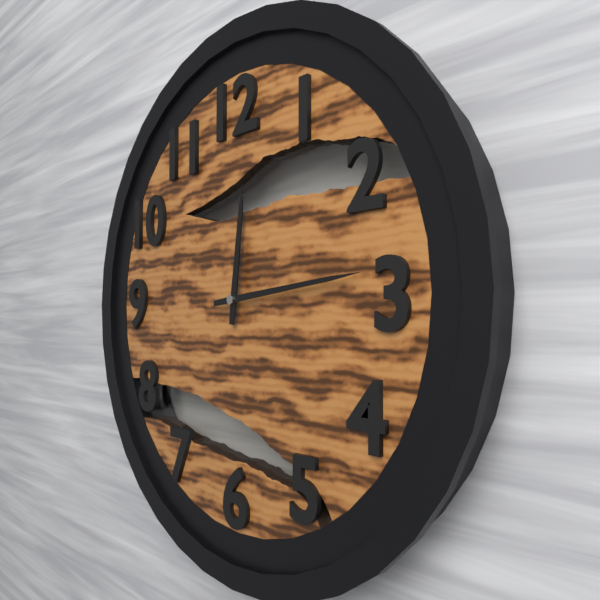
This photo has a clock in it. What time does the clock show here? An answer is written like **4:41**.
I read **12:14**
